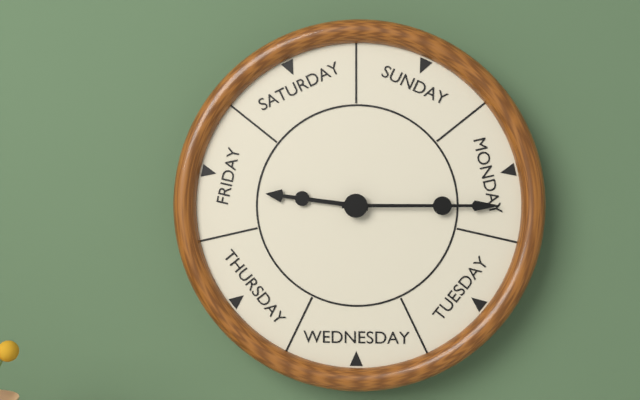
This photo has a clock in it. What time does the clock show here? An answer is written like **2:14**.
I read **9:15**
